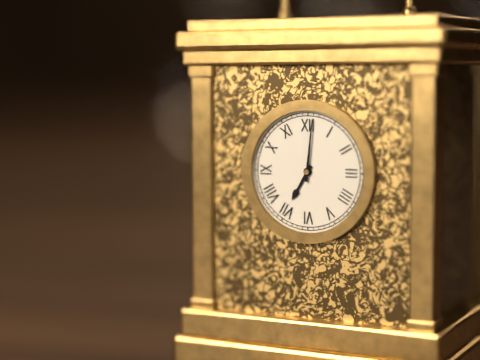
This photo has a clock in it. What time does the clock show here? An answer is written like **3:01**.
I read **7:01**
